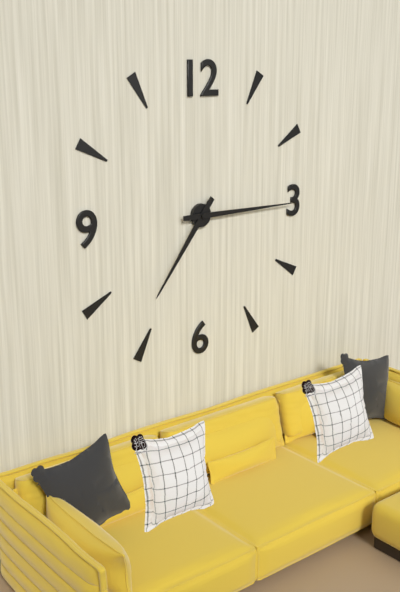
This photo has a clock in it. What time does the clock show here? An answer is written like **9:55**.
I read **7:15**
